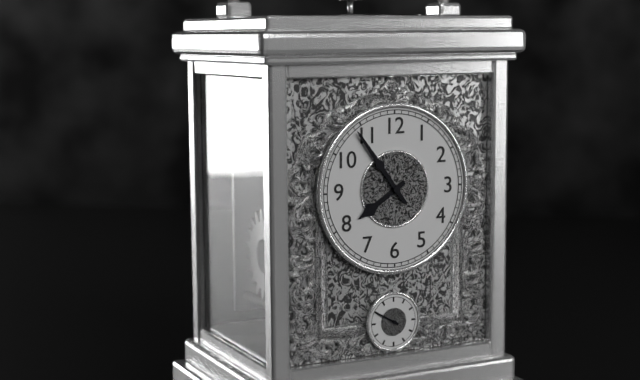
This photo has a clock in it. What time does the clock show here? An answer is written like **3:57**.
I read **7:54**
